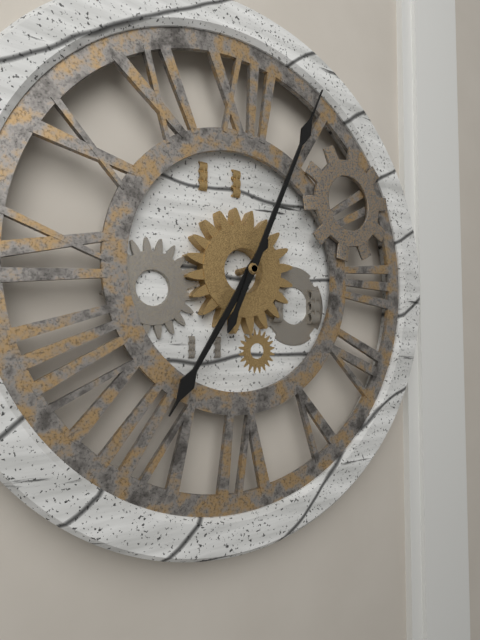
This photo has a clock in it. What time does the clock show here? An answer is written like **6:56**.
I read **7:04**
